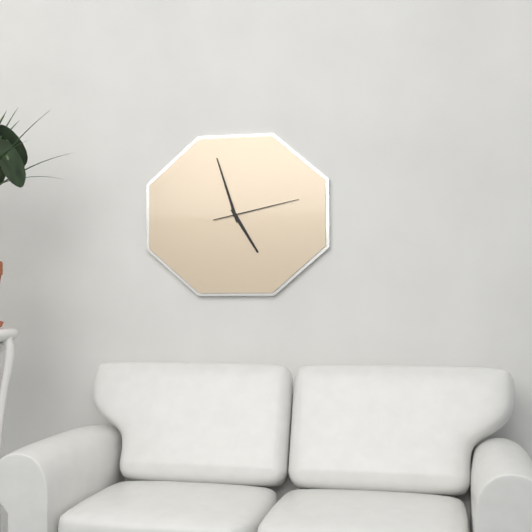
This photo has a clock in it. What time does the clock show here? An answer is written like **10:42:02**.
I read **4:57:13**
